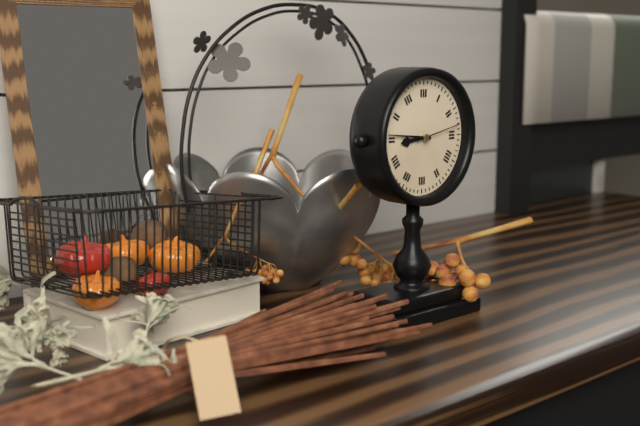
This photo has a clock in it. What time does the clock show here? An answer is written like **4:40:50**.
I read **8:46:13**
